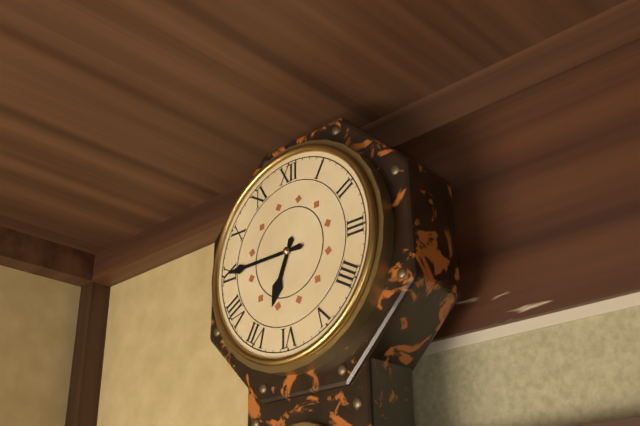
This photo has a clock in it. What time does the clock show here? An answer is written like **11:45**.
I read **6:45**
